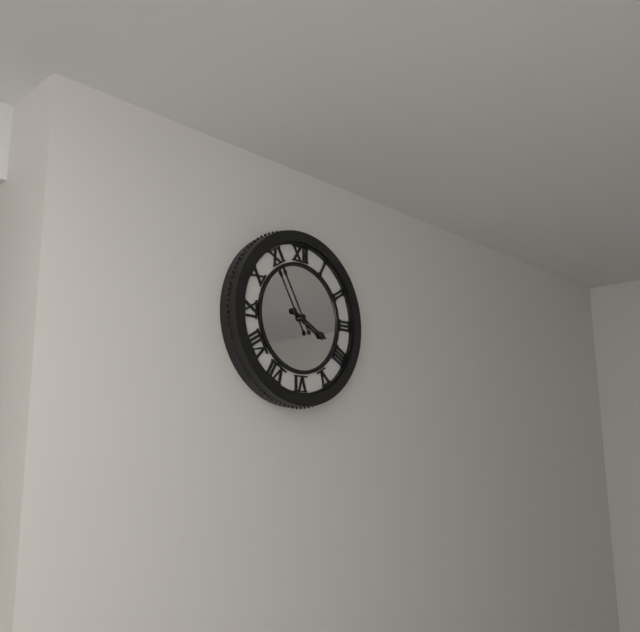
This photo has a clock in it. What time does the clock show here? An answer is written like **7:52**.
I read **3:55**
